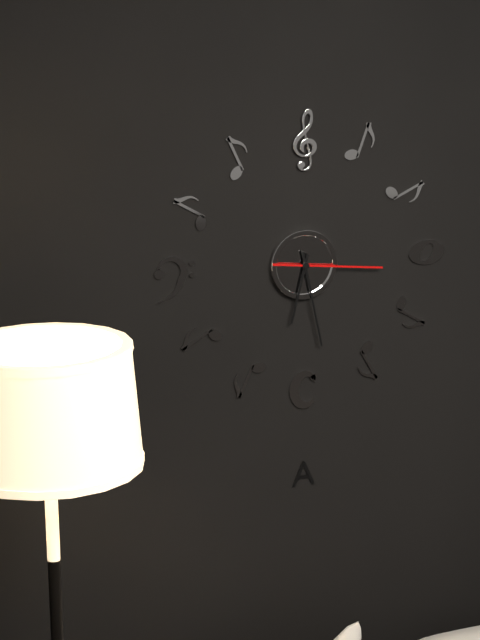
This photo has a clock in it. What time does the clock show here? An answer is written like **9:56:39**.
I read **6:28:16**
